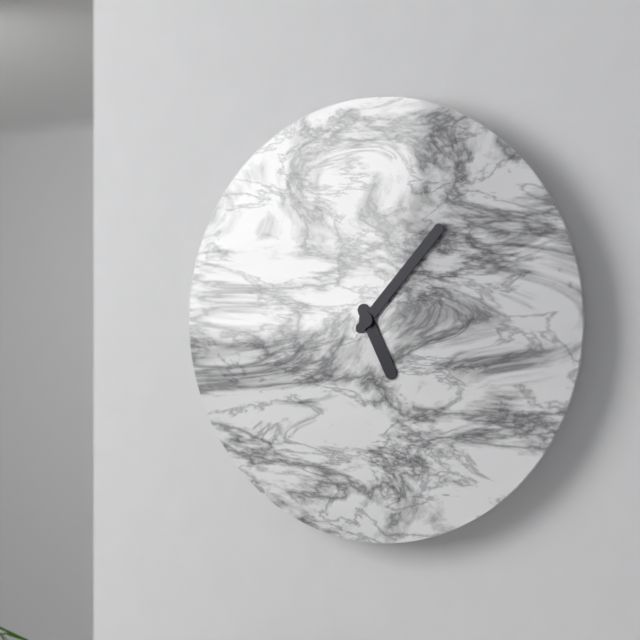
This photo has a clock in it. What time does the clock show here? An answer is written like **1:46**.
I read **5:07**
